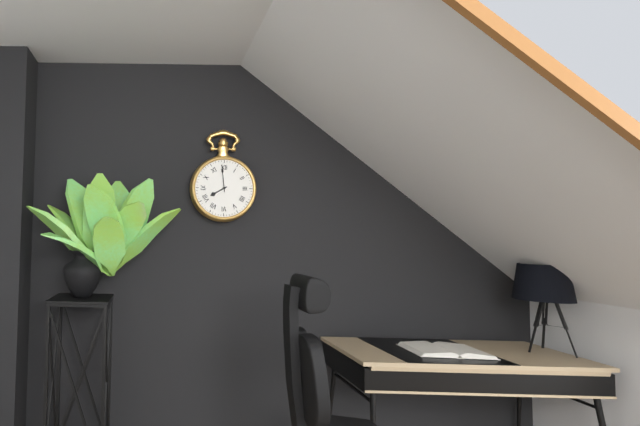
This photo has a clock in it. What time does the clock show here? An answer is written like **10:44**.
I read **7:59**
